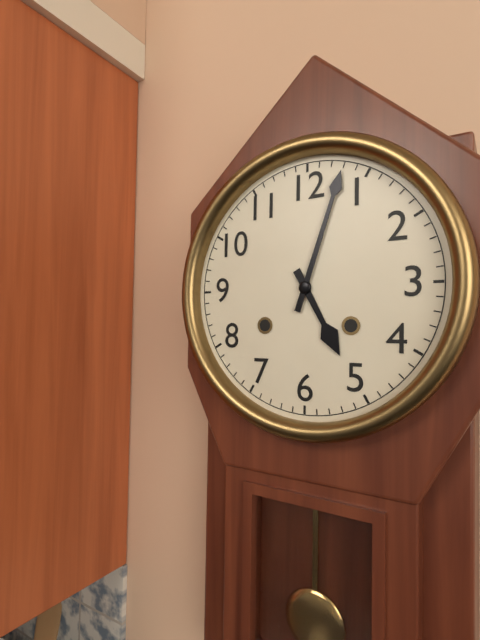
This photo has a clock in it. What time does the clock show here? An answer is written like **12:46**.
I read **5:03**
